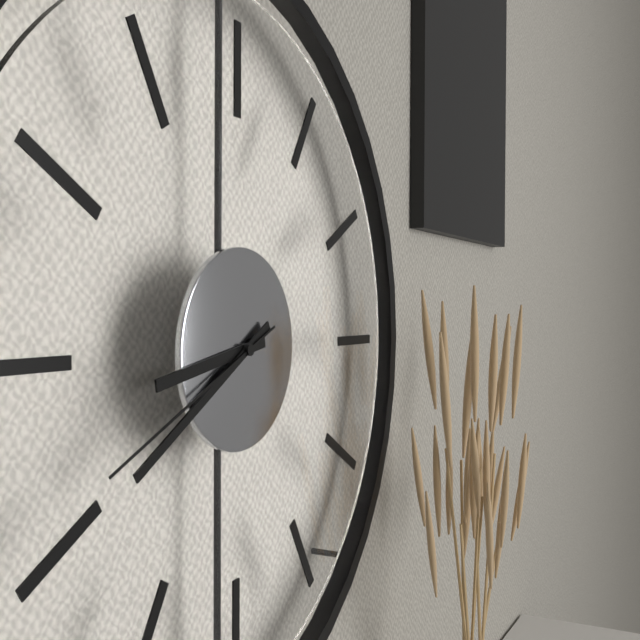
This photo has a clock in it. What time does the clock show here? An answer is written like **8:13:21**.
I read **8:40:41**
